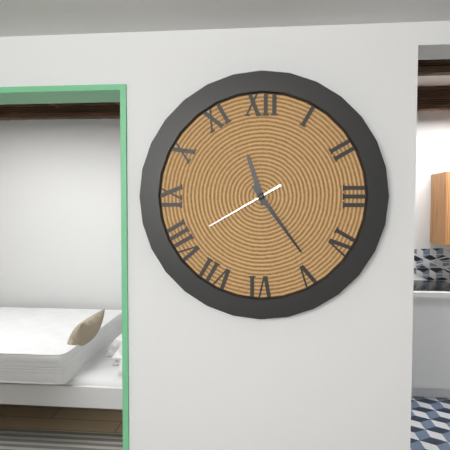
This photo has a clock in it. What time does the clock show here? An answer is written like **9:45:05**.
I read **11:24:40**
